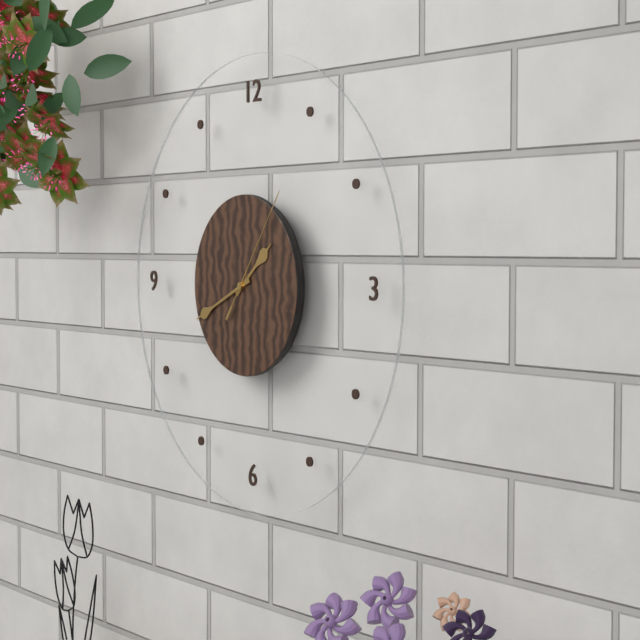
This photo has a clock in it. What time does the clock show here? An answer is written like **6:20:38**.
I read **1:41:06**
